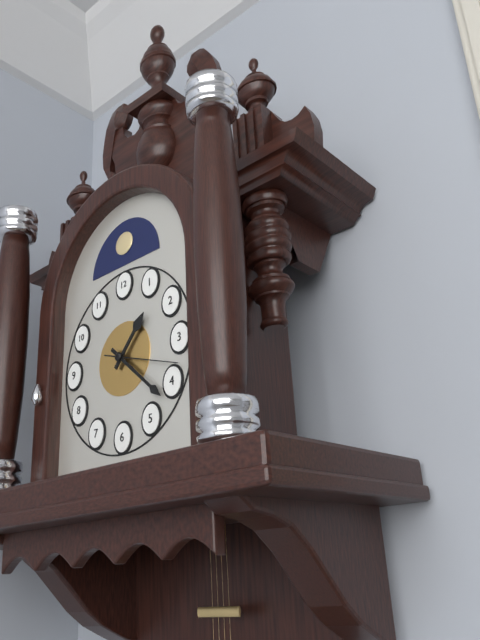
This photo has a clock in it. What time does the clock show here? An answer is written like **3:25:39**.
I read **1:22:18**
